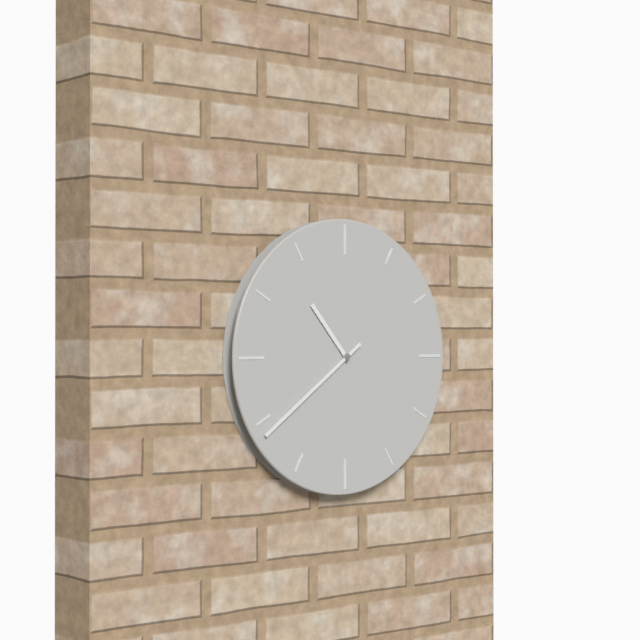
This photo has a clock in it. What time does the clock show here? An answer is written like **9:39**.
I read **10:39**
